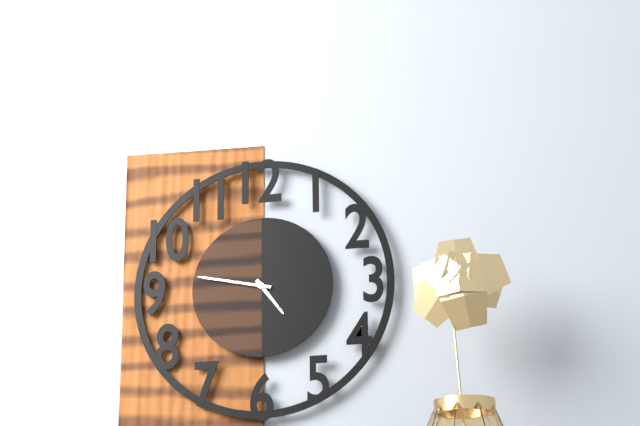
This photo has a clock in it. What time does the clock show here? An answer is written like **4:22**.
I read **4:47**
